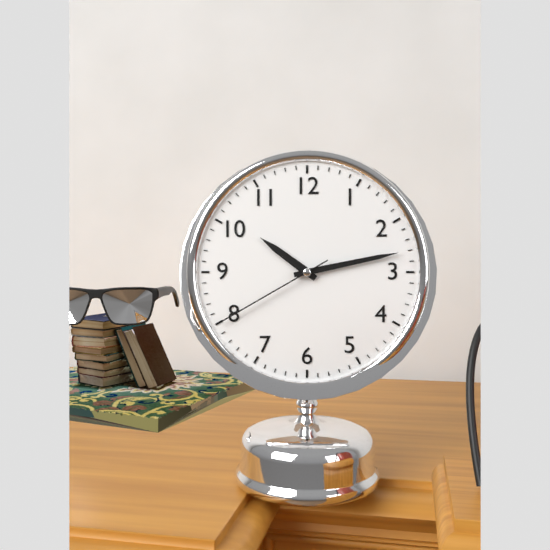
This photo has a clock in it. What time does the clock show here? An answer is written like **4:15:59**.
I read **10:13:40**
